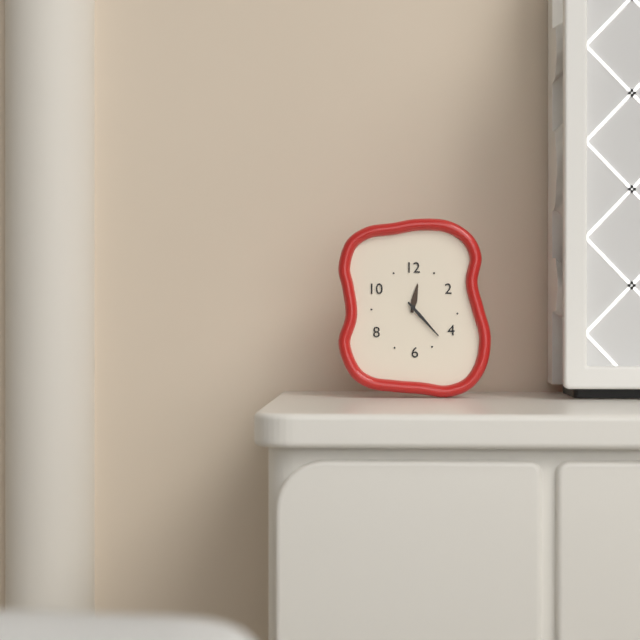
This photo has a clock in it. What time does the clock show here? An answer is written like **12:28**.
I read **12:23**
